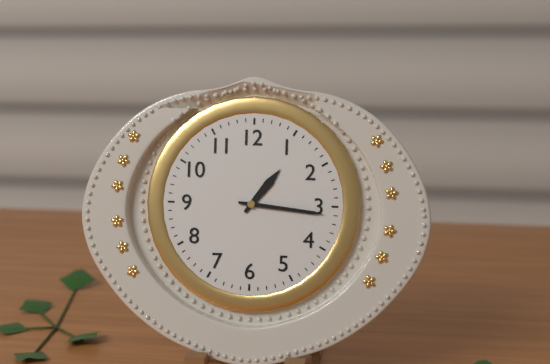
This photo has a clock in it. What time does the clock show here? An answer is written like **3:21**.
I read **1:16**
